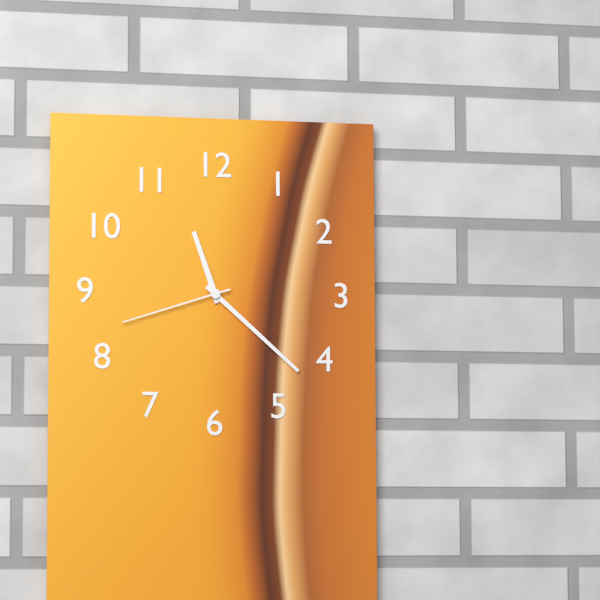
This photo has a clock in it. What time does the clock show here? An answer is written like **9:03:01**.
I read **11:22:42**
